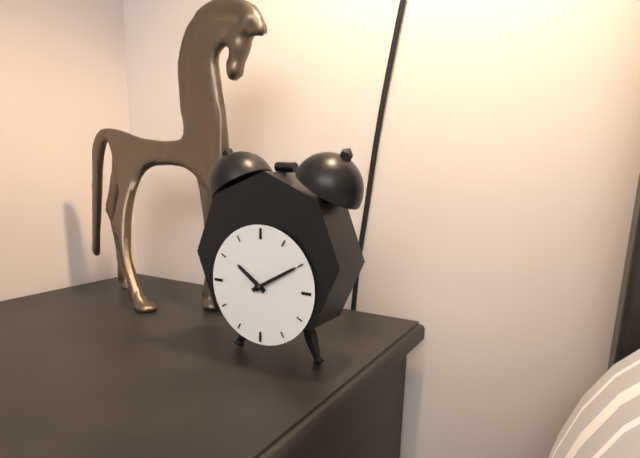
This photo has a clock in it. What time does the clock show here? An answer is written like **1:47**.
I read **10:10**
